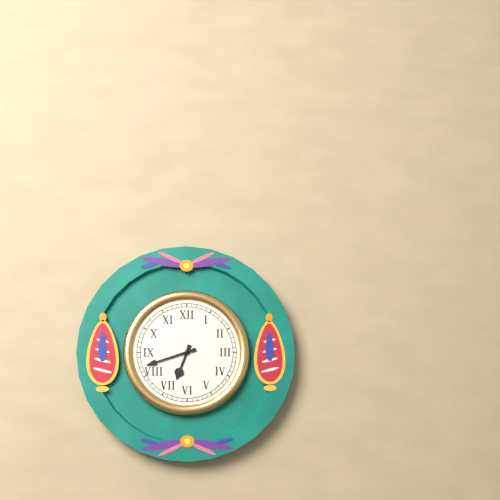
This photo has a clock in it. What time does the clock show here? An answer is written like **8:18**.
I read **6:42**
